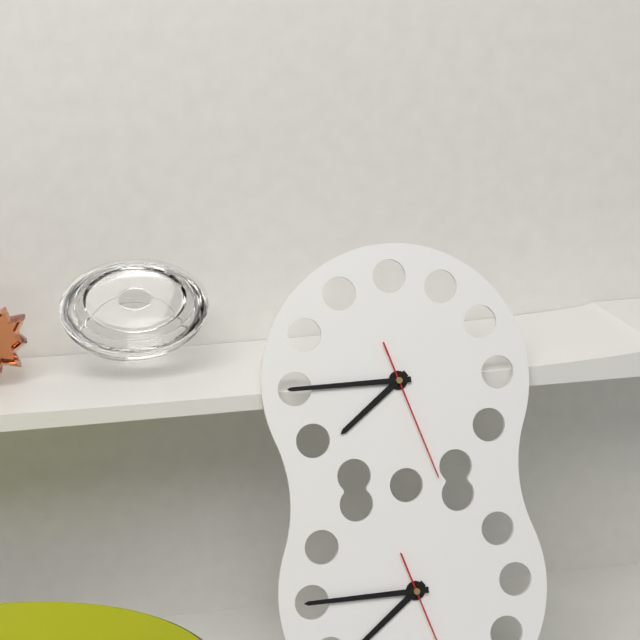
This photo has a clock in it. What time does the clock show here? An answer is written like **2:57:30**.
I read **7:45:27**
